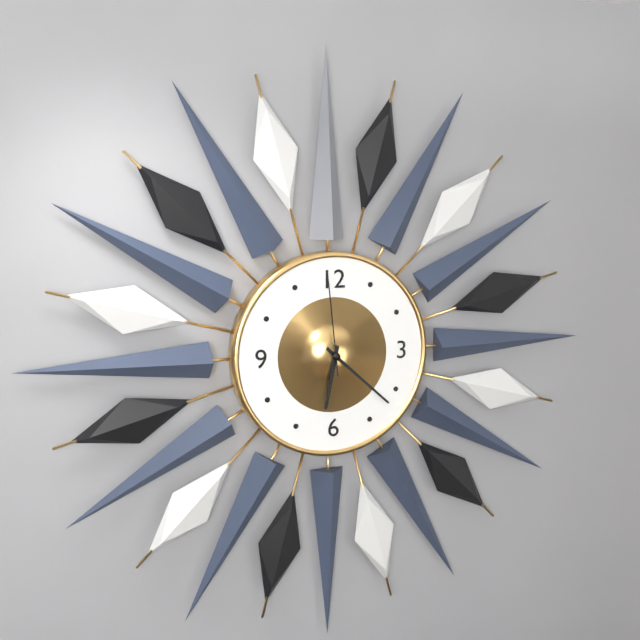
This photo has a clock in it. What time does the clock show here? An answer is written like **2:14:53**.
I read **6:22:59**
